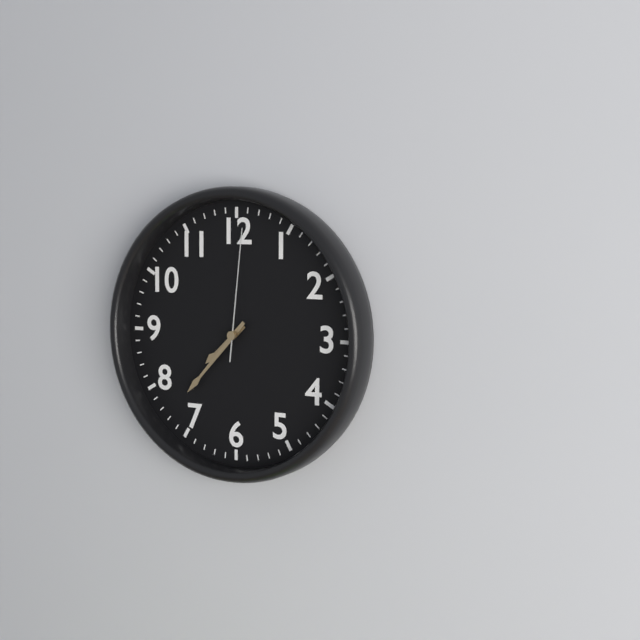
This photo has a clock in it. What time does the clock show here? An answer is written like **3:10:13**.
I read **7:37:01**
